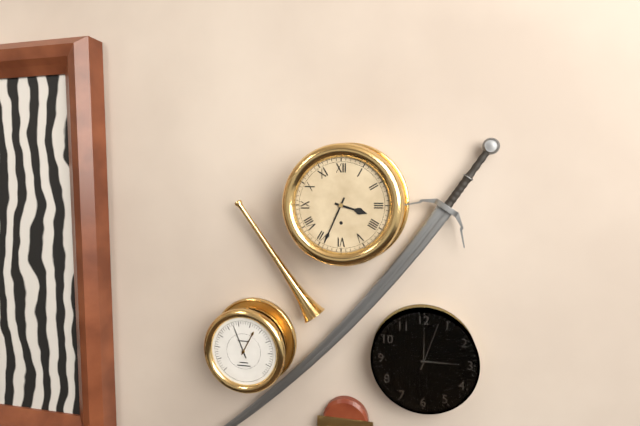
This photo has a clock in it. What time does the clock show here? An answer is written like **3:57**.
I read **3:34**
